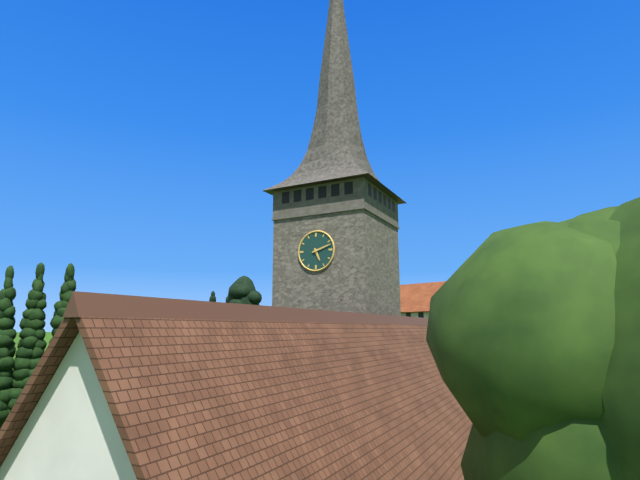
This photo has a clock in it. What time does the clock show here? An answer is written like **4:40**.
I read **5:12**
